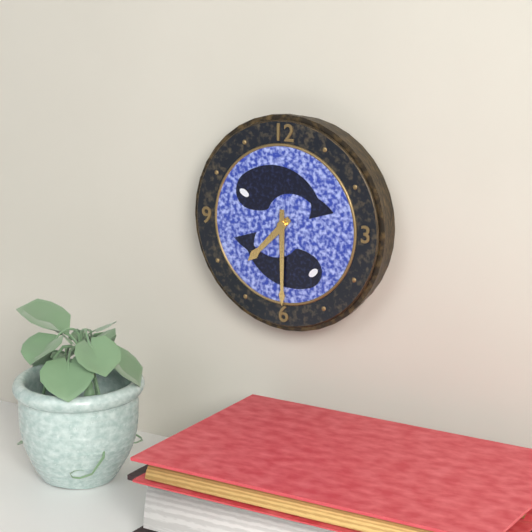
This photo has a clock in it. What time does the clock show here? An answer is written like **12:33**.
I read **7:30**
